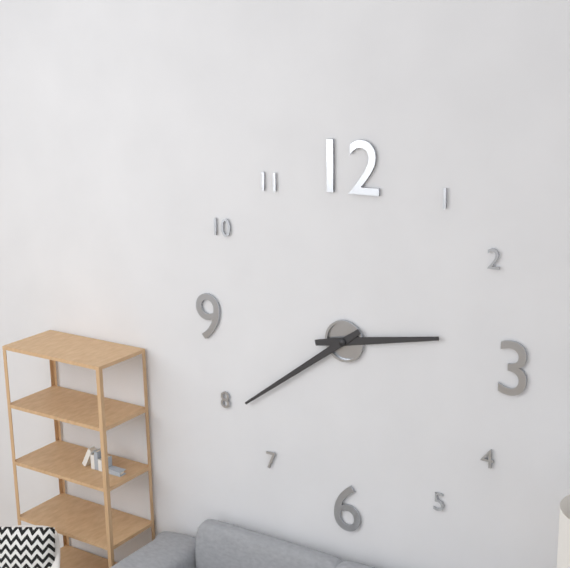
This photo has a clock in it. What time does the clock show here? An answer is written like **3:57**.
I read **2:39**
